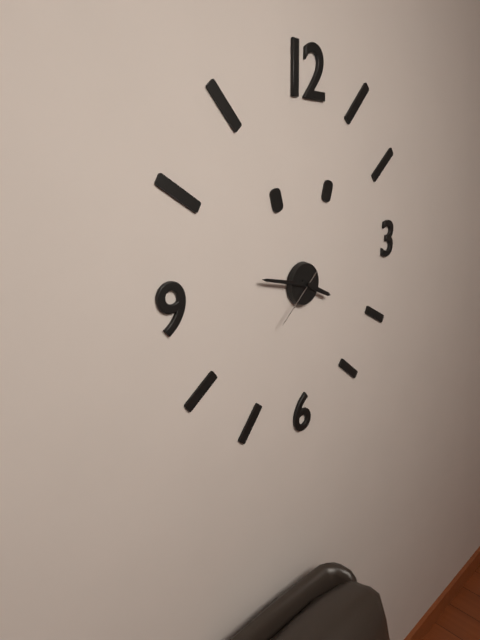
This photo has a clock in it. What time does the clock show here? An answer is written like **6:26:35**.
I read **3:47:38**
